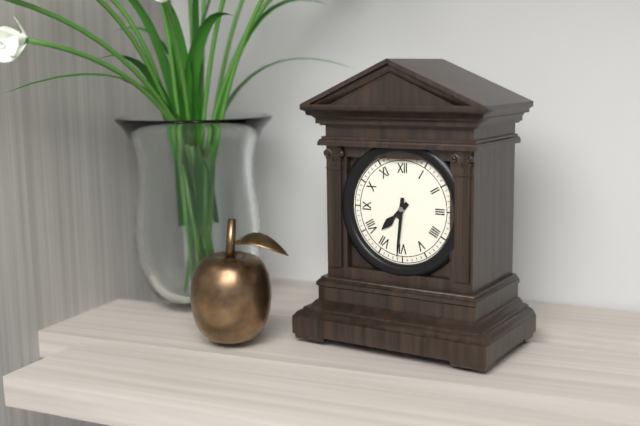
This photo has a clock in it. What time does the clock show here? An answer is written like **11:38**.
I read **7:31**
